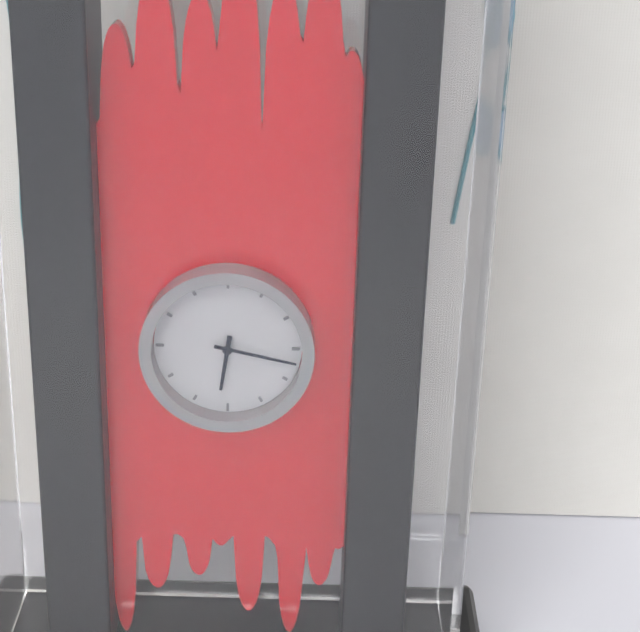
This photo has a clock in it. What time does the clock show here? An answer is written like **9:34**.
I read **6:17**
